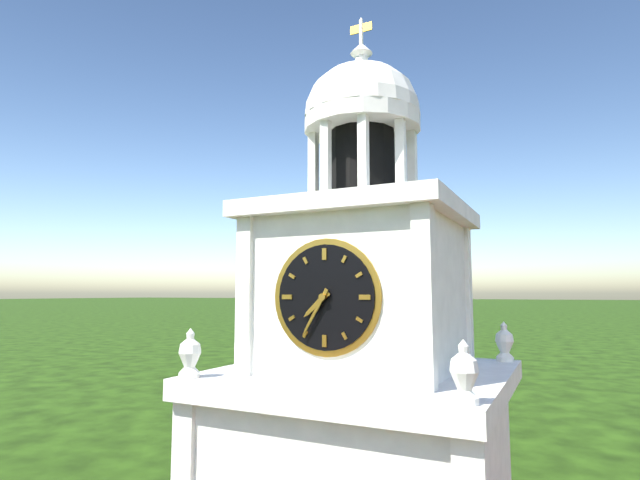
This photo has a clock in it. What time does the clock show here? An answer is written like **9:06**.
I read **7:35**
